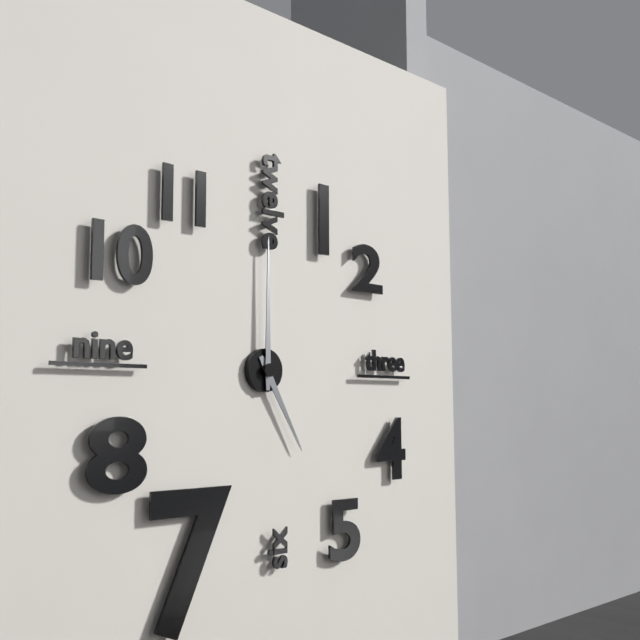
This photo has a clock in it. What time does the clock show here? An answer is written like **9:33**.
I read **5:00**
